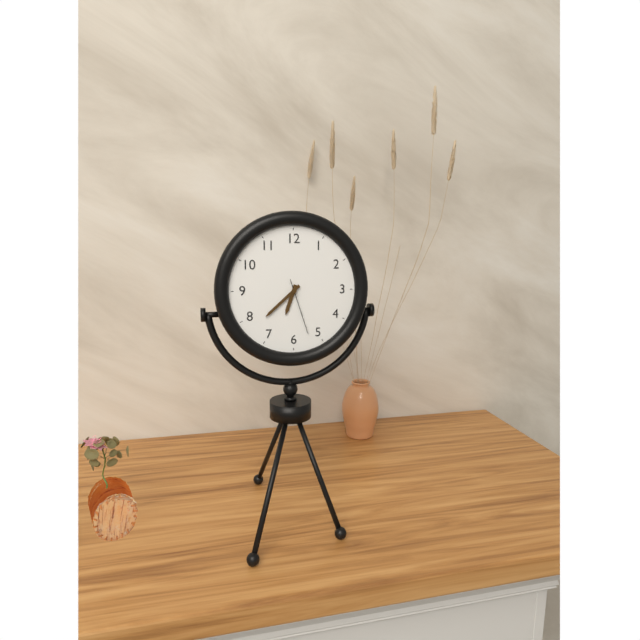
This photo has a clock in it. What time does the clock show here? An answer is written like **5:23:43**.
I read **6:38:27**
